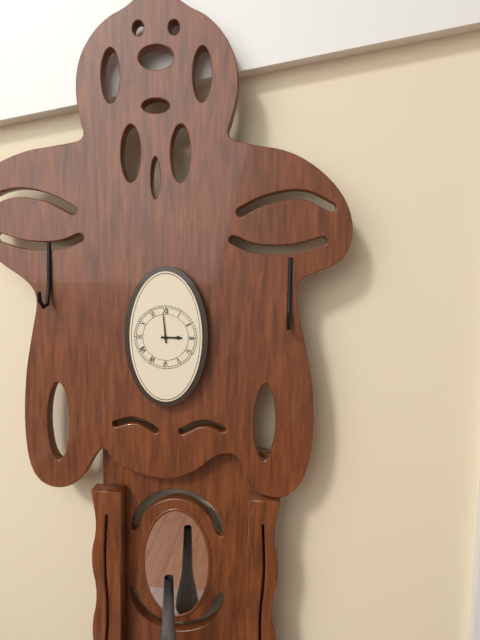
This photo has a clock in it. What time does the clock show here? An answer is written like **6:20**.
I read **2:59**
